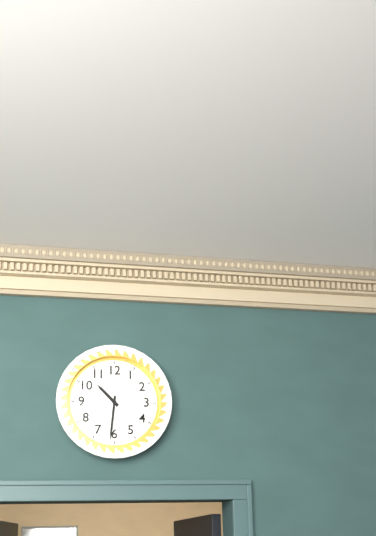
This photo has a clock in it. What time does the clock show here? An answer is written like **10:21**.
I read **10:31**
